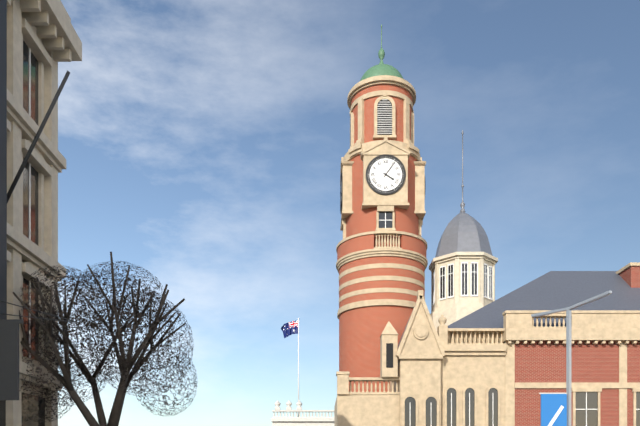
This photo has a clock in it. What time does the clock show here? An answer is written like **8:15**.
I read **4:06**
